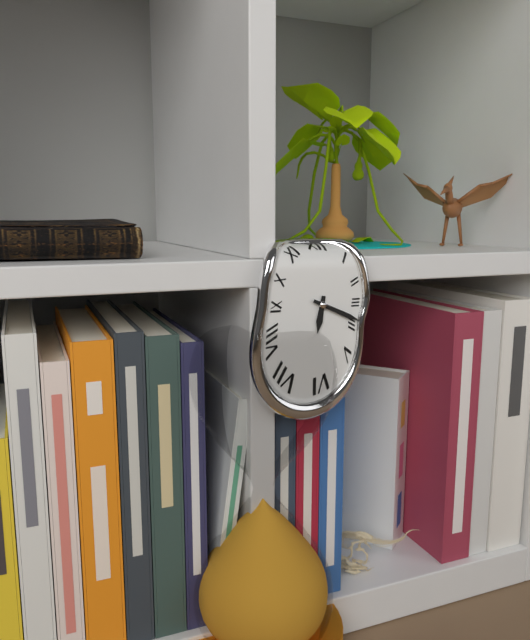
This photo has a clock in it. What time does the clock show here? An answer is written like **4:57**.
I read **6:19**
